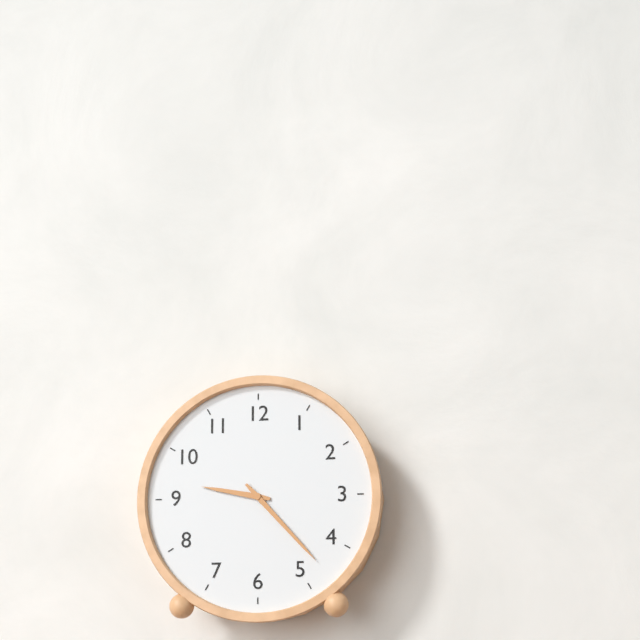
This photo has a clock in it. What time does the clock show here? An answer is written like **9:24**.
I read **9:23**
